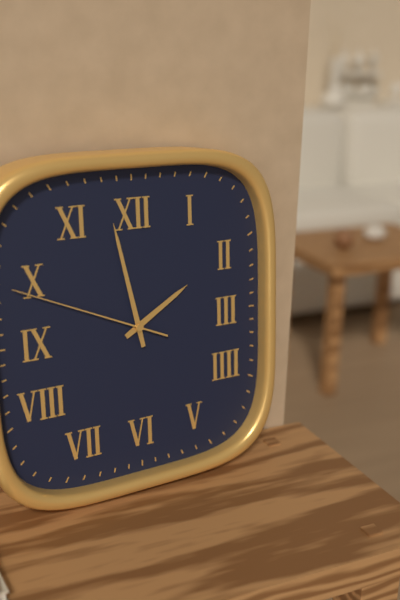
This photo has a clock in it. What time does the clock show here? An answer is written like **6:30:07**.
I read **1:58:49**
